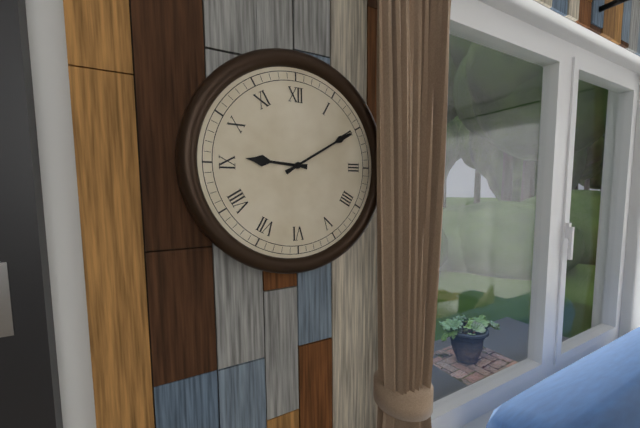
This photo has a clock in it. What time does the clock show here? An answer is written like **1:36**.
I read **9:10**
